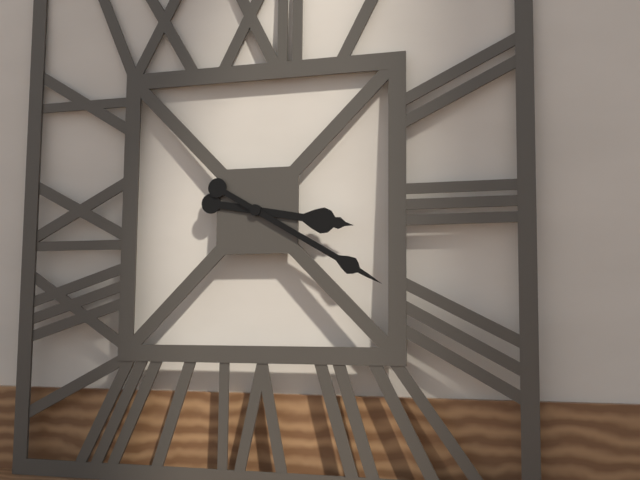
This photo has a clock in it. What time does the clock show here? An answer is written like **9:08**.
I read **3:20**
